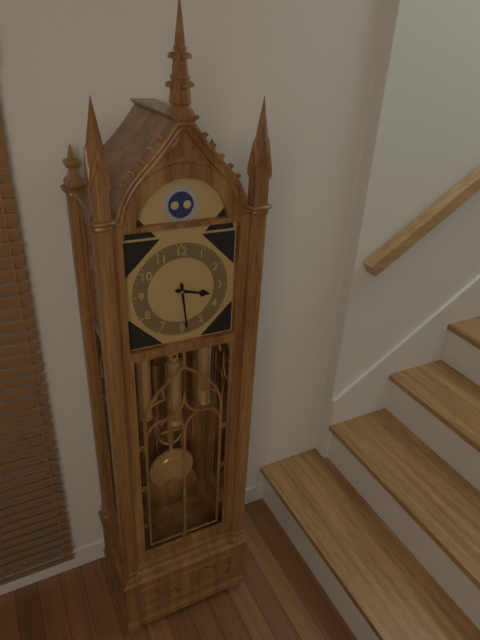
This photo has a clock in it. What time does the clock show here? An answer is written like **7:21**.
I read **3:29**
